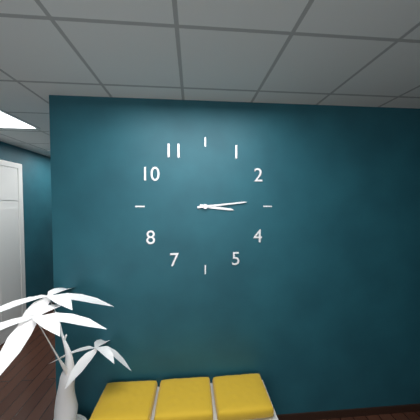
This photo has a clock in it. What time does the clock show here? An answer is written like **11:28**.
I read **3:14**
